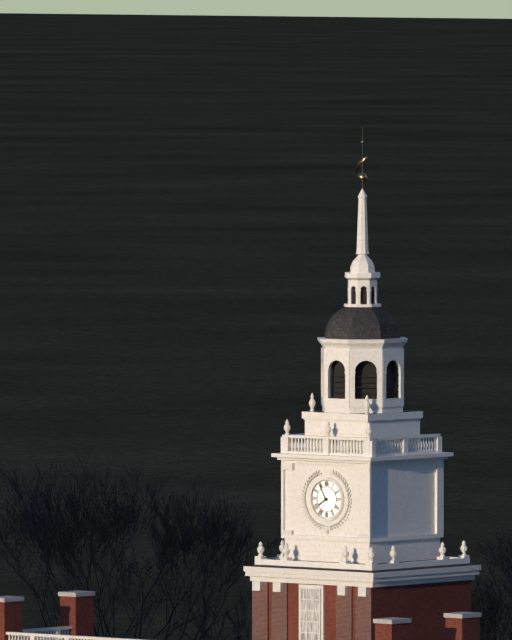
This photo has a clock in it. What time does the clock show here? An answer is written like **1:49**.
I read **7:55**
